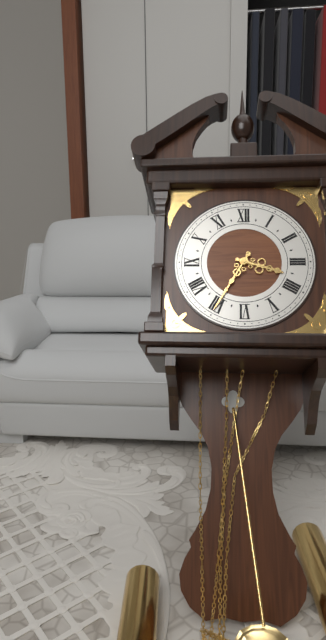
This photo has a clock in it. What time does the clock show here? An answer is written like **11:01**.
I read **3:35**
